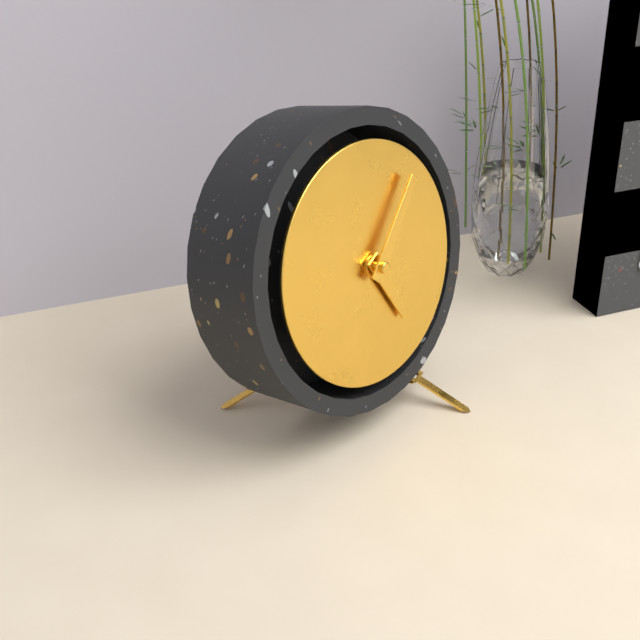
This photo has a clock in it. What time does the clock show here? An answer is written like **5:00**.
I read **5:07**
